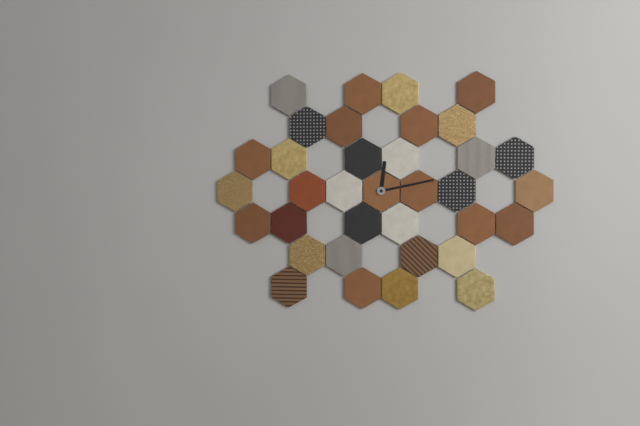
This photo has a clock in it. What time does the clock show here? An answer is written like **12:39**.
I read **12:13**
